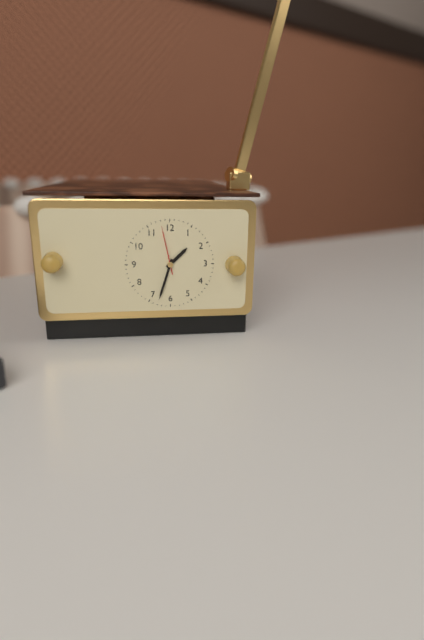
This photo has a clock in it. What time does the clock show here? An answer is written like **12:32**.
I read **1:33**
